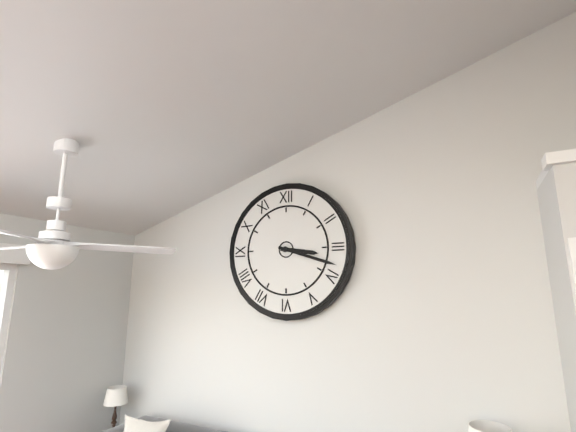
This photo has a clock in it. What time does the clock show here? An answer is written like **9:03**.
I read **3:18**
